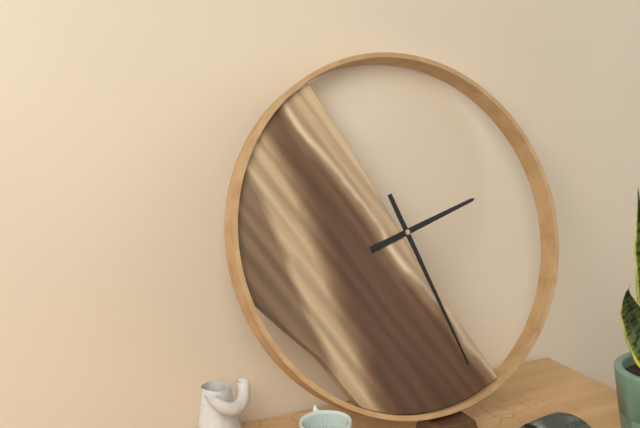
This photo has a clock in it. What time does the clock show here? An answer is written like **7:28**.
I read **2:27**
